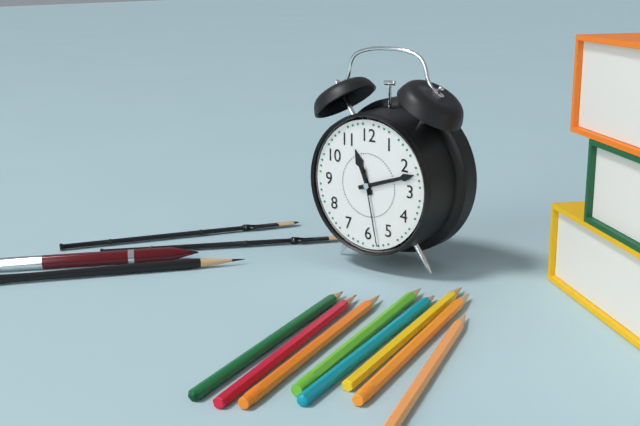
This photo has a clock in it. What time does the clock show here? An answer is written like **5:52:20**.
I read **11:12:28**
